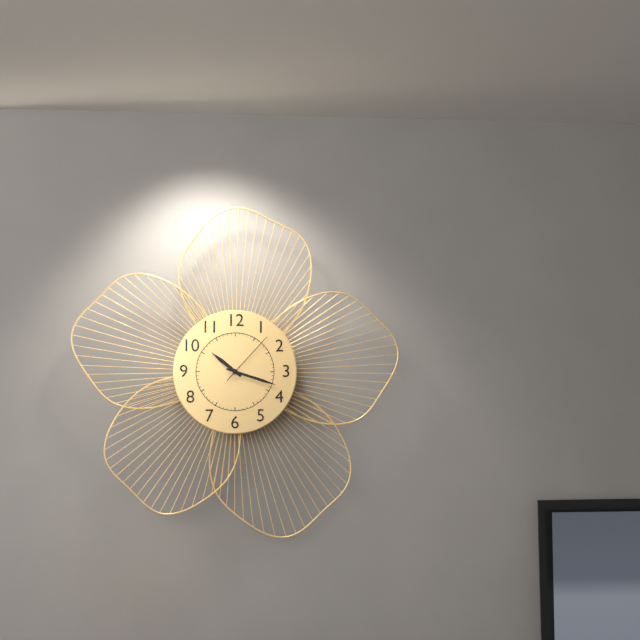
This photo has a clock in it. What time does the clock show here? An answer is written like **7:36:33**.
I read **10:18:07**
